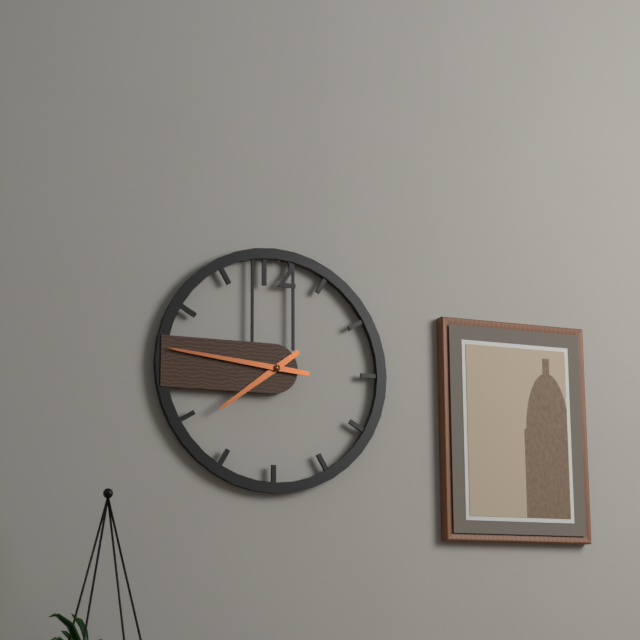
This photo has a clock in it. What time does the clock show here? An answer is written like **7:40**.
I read **7:46**
